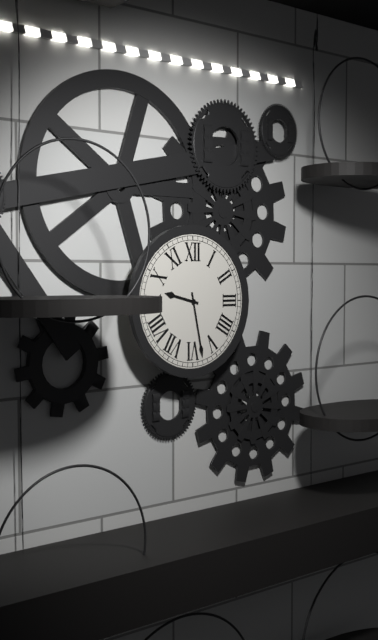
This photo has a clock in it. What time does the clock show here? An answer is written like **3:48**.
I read **9:28**
